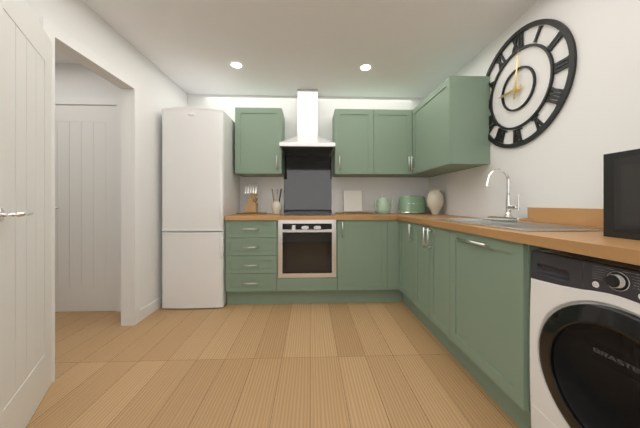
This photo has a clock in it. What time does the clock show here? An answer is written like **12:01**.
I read **9:01**
